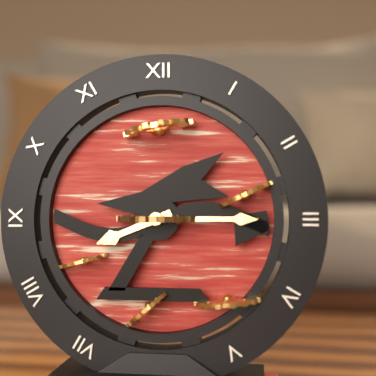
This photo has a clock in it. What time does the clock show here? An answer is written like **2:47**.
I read **8:15**
